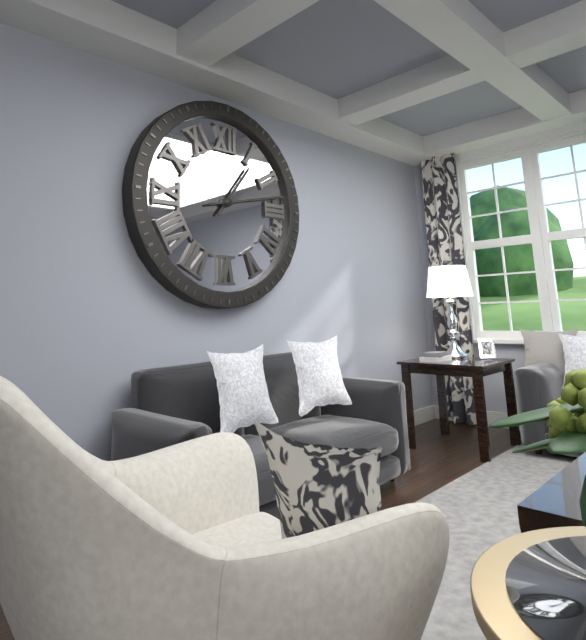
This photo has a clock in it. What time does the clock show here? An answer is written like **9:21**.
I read **1:13**
